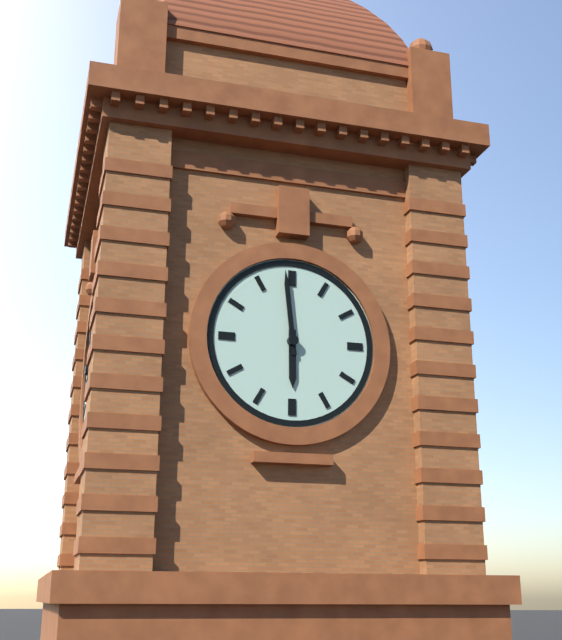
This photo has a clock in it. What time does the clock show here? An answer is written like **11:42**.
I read **5:59**
